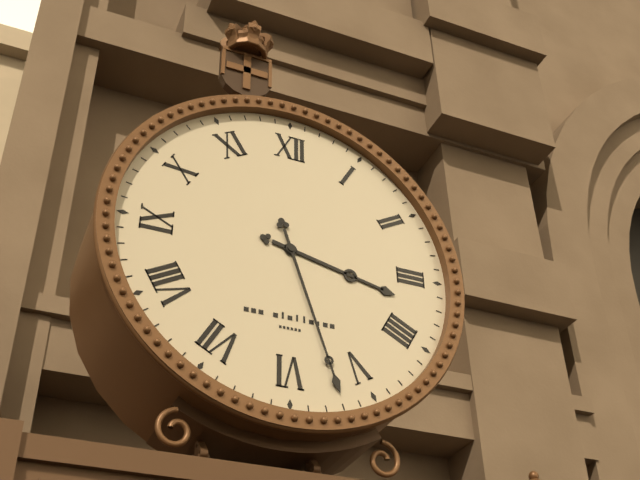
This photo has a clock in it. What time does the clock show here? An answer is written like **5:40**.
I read **3:27**
